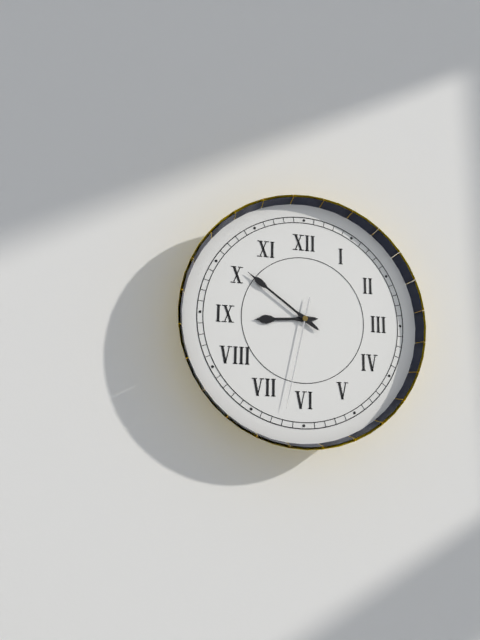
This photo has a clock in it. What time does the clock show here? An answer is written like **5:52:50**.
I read **8:51:32**
